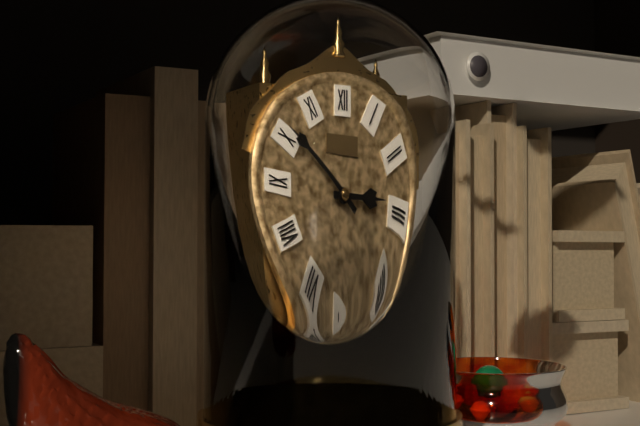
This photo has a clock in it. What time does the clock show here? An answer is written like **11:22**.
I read **2:51**
